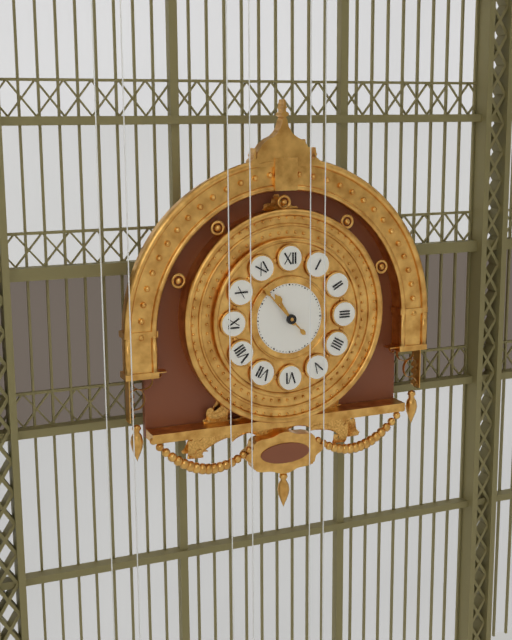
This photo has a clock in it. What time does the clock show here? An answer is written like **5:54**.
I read **10:53**
